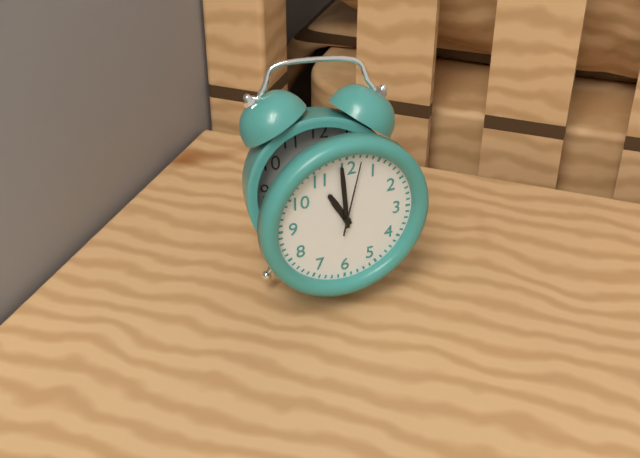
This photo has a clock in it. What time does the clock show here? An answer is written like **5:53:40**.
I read **10:59:02**
